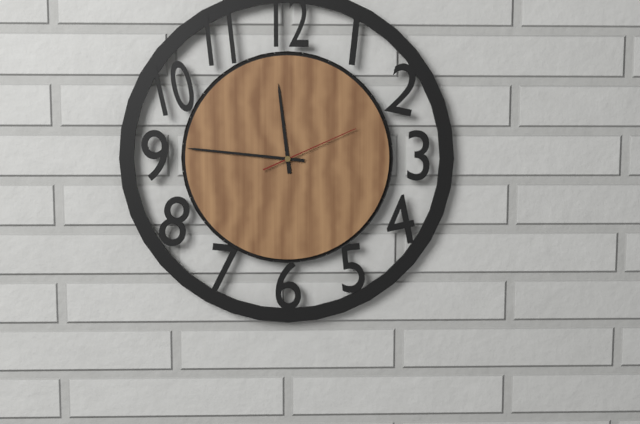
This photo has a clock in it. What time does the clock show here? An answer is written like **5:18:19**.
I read **11:46:11**
